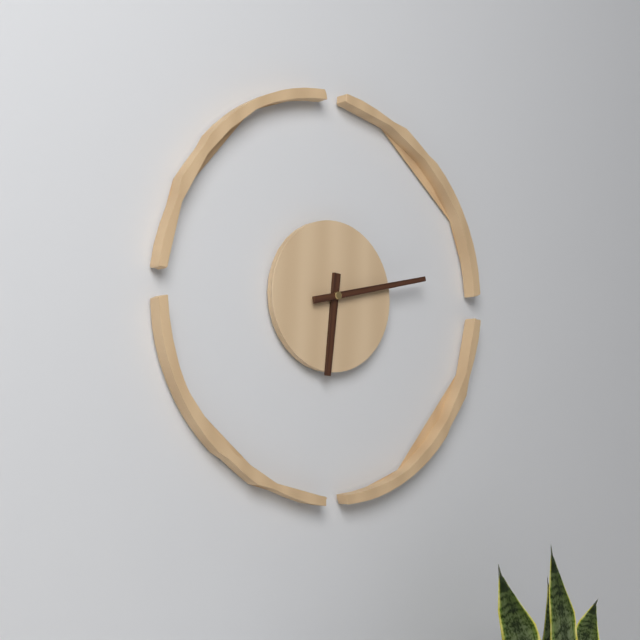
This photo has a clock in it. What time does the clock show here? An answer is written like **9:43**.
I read **6:13**
